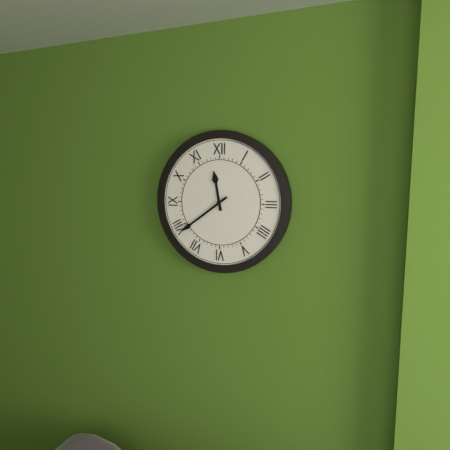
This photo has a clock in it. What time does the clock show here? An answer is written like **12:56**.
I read **11:39**
